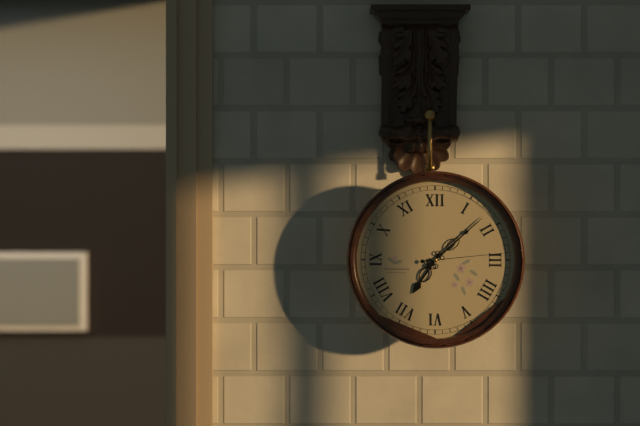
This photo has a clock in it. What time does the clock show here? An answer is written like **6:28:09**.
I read **7:08:14**
